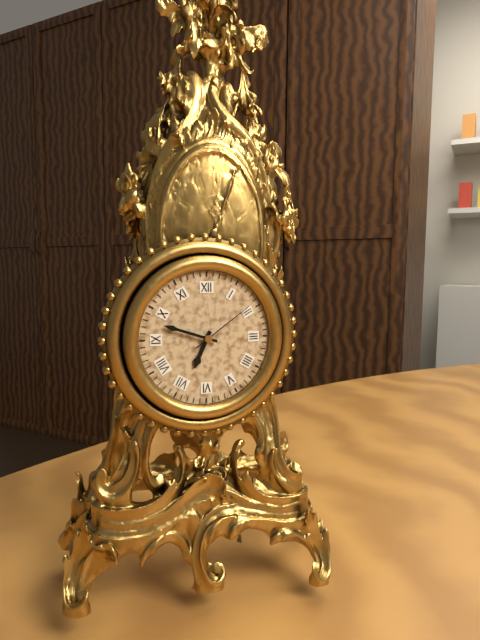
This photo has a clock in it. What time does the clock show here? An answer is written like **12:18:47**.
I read **6:48:09**
